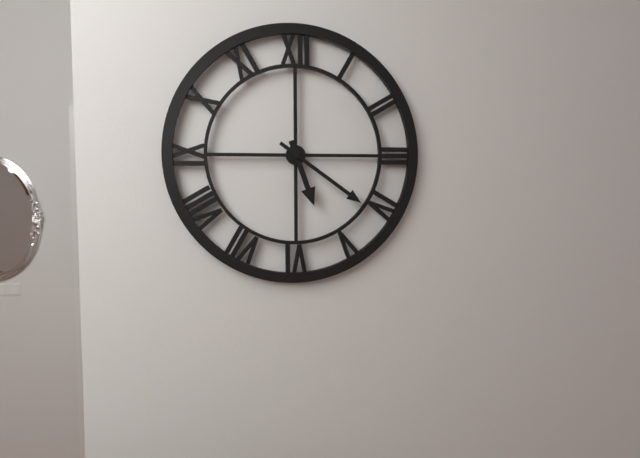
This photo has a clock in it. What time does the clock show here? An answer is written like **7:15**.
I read **5:21**
